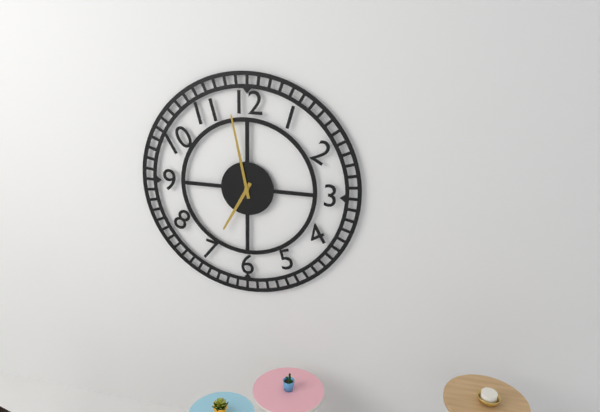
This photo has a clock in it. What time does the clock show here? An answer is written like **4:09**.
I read **6:58**
